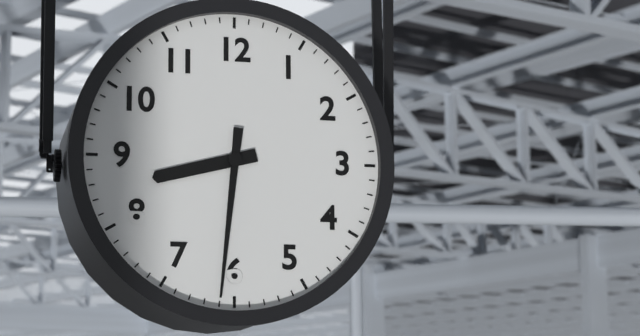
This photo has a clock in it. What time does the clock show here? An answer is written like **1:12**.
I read **8:31**
